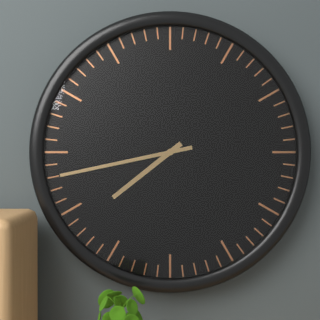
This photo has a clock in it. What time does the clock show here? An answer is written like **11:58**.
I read **7:43**
